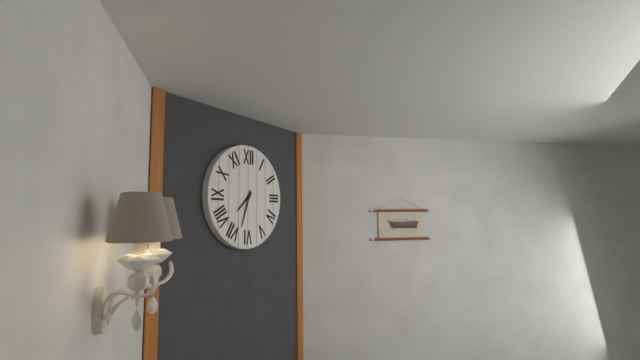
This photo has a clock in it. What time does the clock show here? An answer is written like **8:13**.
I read **7:33**
